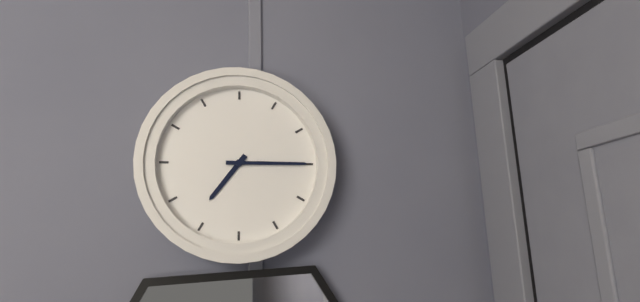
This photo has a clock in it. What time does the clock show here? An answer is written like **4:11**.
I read **7:15**
